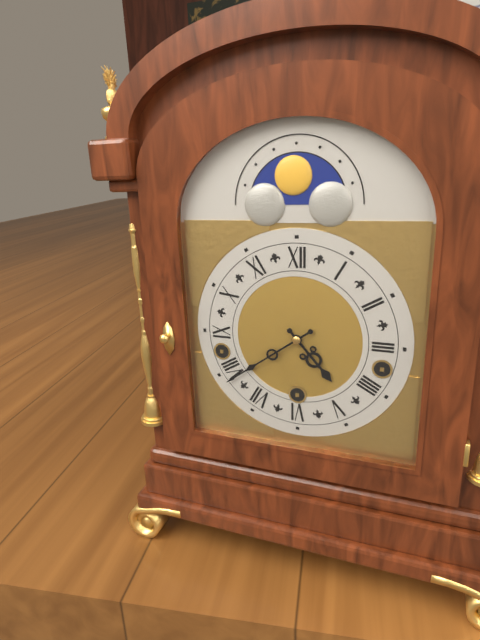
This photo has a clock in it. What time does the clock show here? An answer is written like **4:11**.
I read **4:39**
